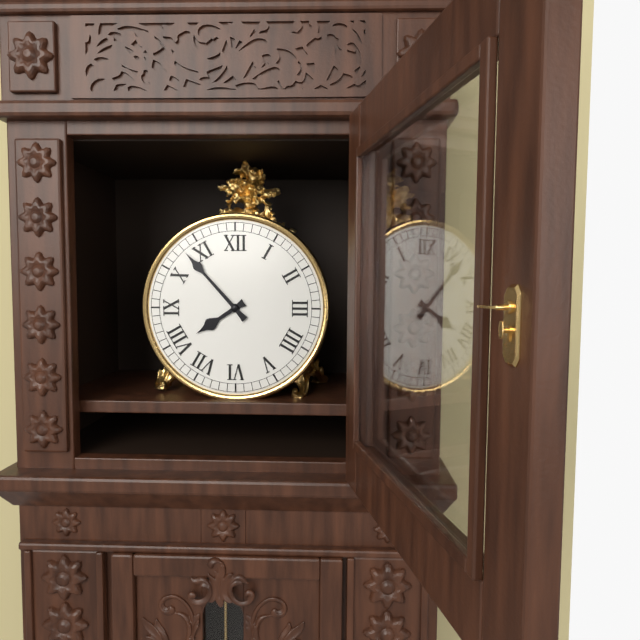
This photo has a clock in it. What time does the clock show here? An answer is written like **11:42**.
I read **7:53**
